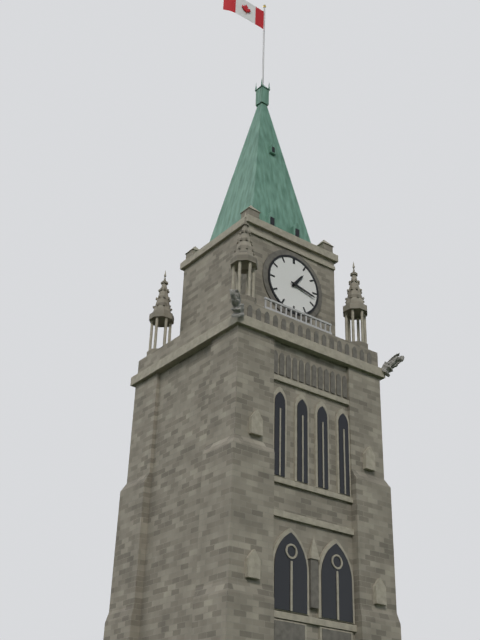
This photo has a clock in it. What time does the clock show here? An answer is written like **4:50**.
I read **1:17**
